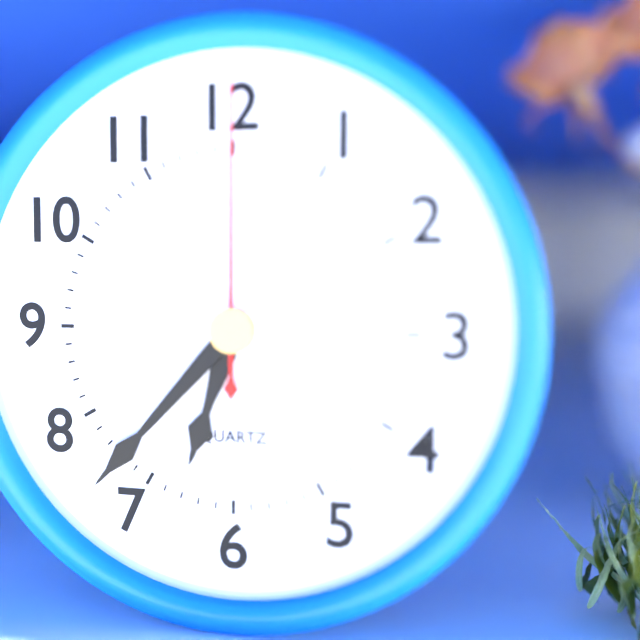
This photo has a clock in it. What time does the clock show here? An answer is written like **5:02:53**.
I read **6:37:00**
